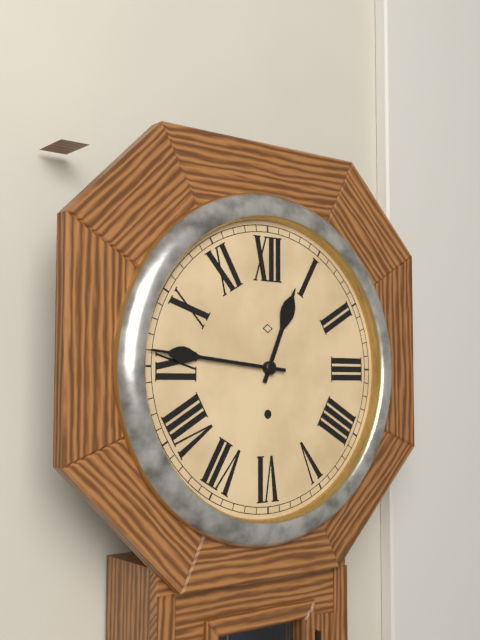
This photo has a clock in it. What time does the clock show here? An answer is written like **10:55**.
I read **12:46**
